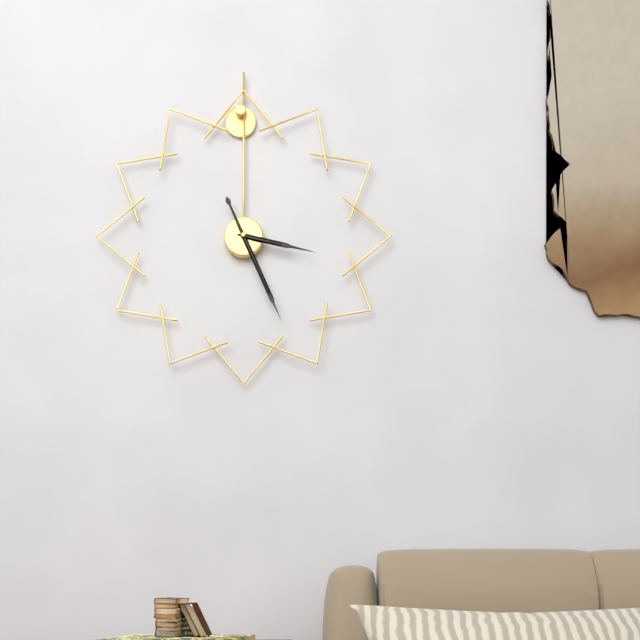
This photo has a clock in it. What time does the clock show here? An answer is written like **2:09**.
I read **3:26**
